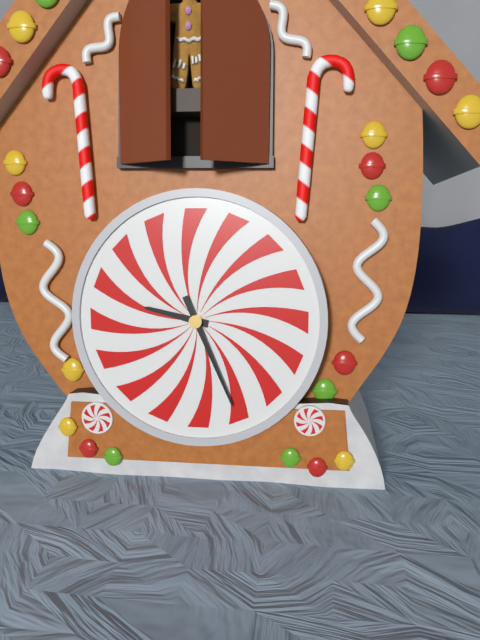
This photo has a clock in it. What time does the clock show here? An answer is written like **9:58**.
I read **9:26**
